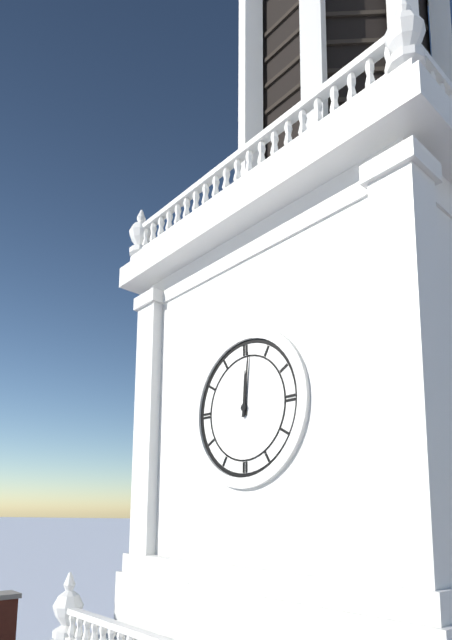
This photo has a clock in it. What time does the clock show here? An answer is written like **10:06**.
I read **12:01**
